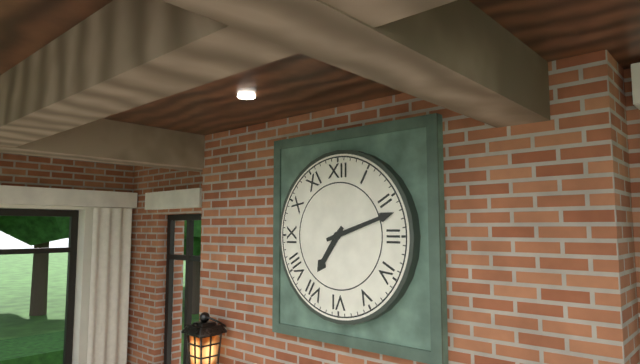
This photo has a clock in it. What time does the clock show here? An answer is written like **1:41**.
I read **7:12**
